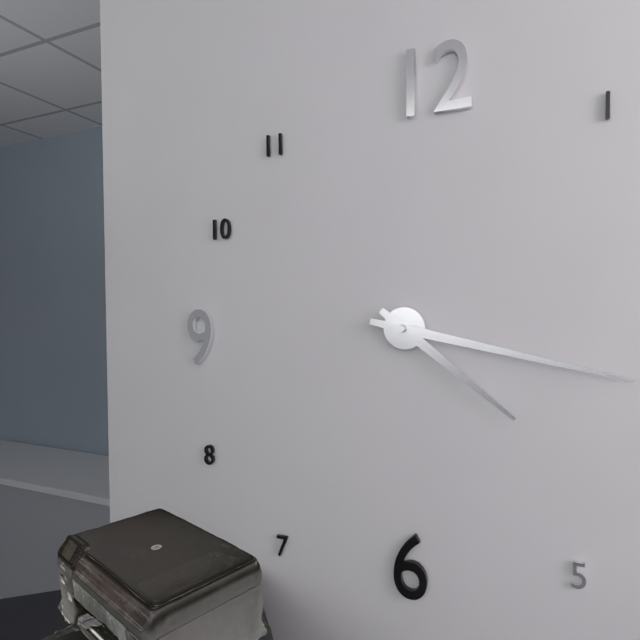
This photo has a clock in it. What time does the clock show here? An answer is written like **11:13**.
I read **4:17**
